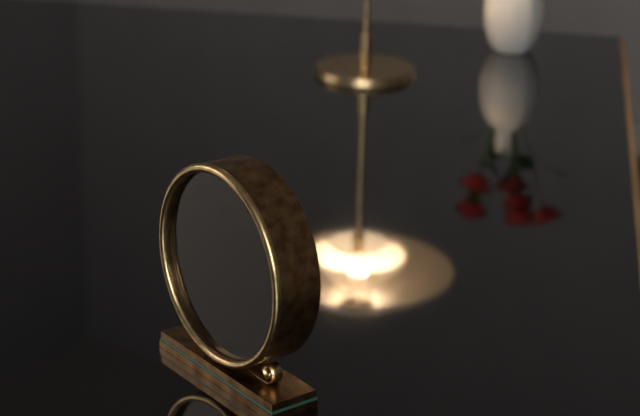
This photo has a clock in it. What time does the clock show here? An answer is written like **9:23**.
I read **9:32**
